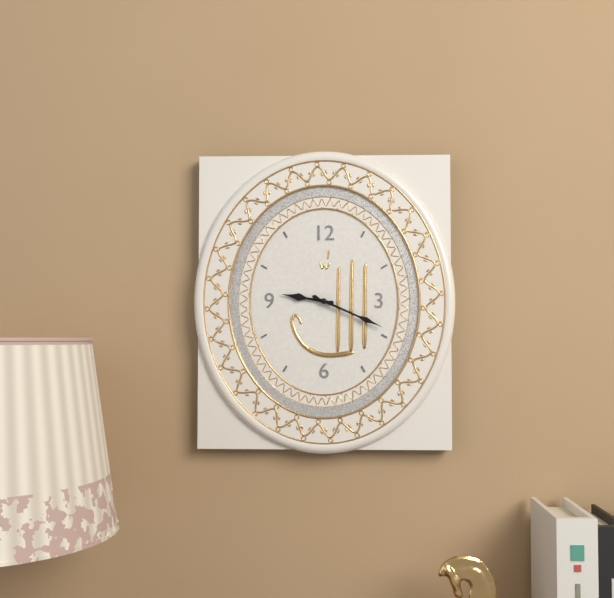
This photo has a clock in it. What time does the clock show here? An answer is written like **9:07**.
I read **9:19**
